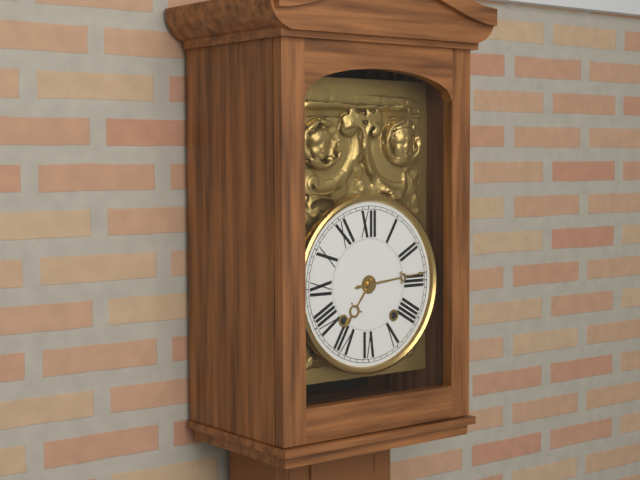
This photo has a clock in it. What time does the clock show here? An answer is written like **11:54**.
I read **7:14**
